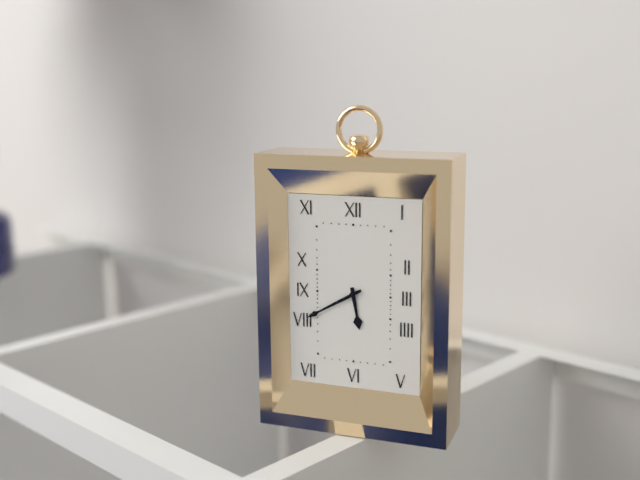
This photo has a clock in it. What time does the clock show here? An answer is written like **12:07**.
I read **5:40**
